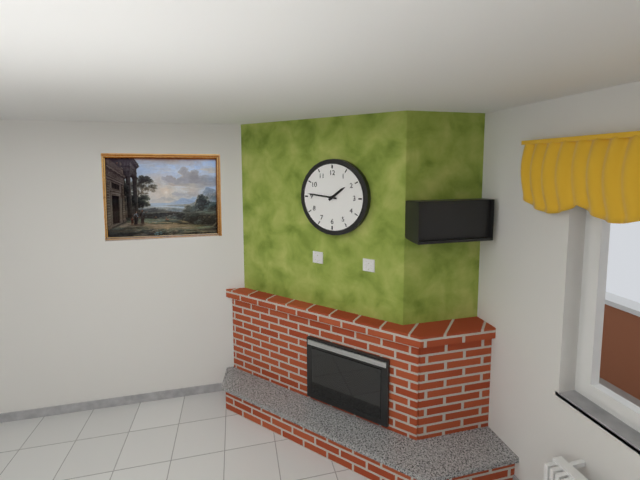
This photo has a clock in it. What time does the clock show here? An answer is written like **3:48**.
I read **1:46**
